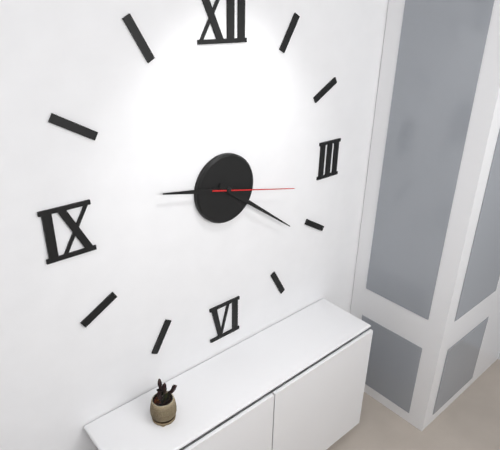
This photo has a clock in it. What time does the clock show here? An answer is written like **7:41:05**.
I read **9:21:17**
